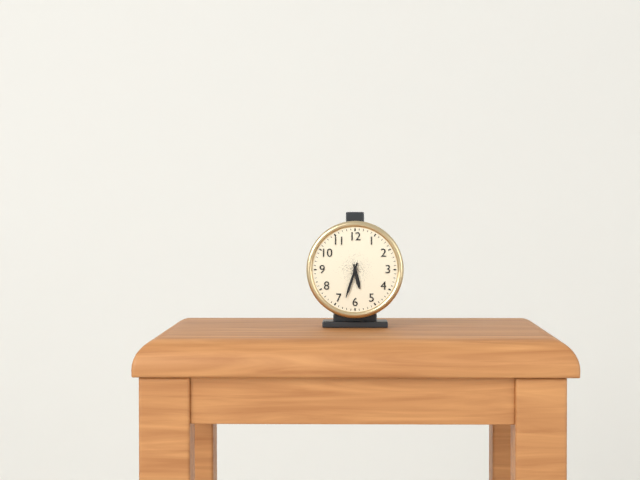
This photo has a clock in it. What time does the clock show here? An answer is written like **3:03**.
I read **5:33**
